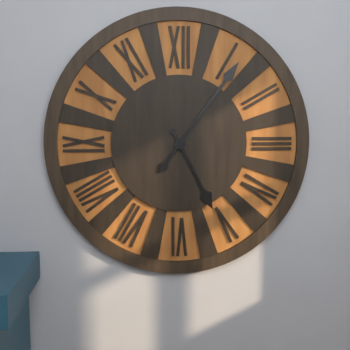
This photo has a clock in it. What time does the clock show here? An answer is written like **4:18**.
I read **5:06**
